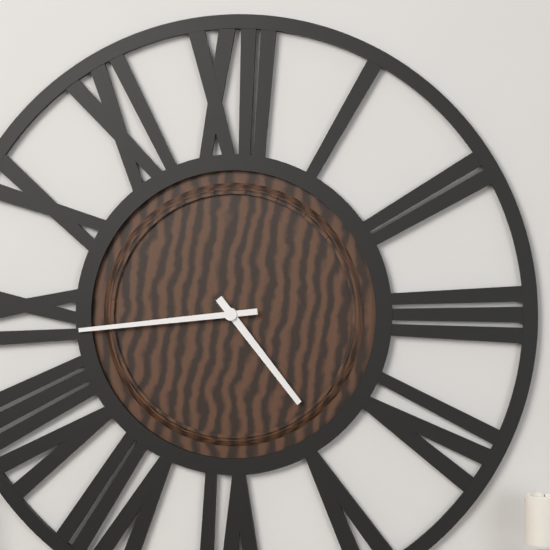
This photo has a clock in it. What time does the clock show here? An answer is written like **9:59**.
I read **4:44**
